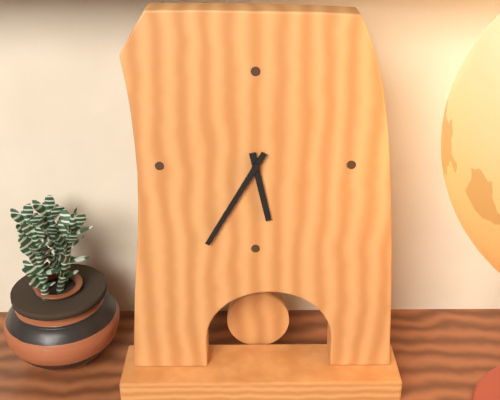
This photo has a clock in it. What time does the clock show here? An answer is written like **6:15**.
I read **5:35**
